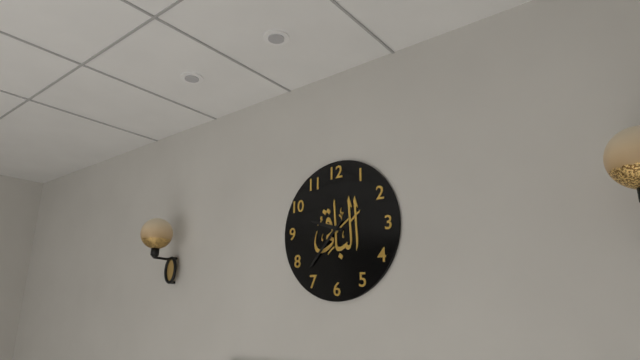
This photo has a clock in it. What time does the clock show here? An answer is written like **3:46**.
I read **9:37**
